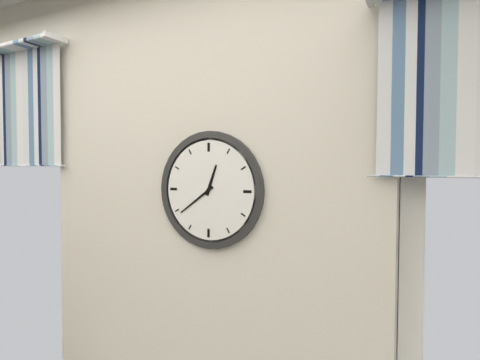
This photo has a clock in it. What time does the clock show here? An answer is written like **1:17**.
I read **12:39**
